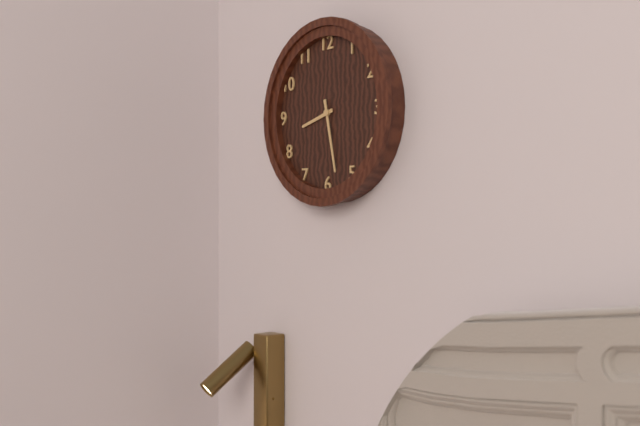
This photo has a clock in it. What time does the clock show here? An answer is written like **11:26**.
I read **8:28**
